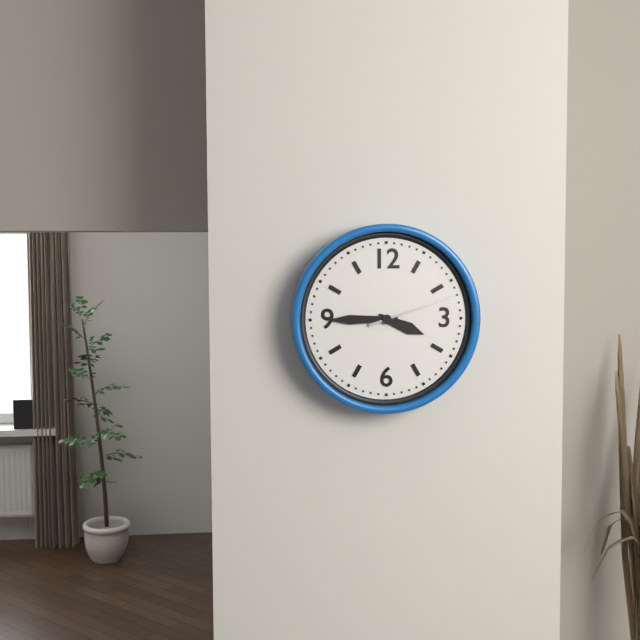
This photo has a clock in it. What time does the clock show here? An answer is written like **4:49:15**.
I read **3:45:12**
